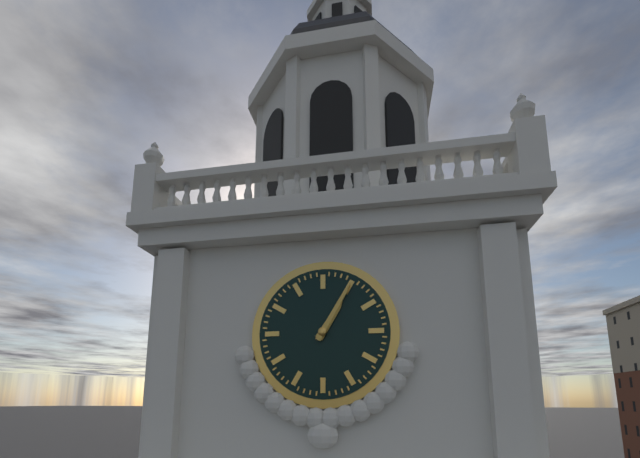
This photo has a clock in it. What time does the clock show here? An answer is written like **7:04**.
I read **1:05**
